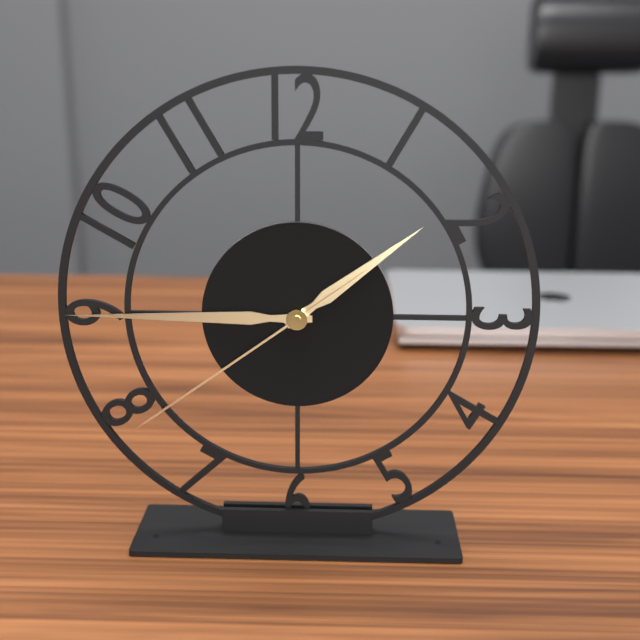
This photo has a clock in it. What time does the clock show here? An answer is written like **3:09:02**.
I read **1:45:39**
